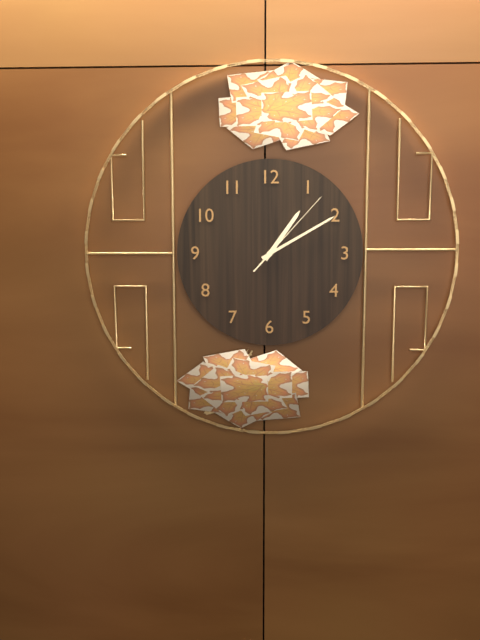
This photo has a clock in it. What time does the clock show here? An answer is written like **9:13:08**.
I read **1:10:07**
